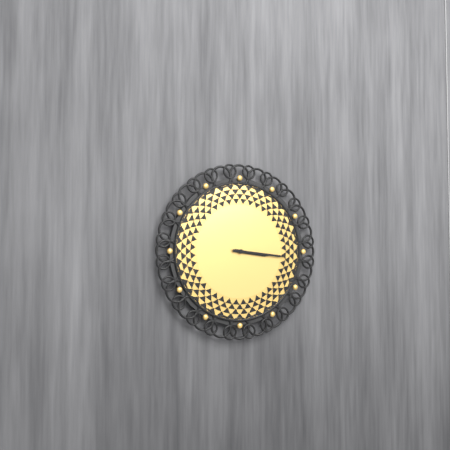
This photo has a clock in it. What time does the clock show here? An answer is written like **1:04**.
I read **3:16**
